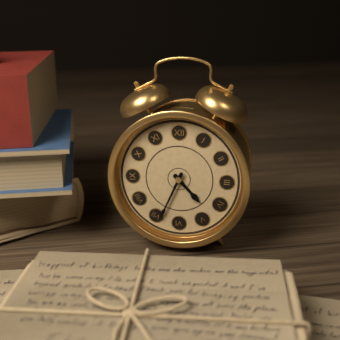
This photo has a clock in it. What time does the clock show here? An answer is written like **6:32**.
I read **4:34**
